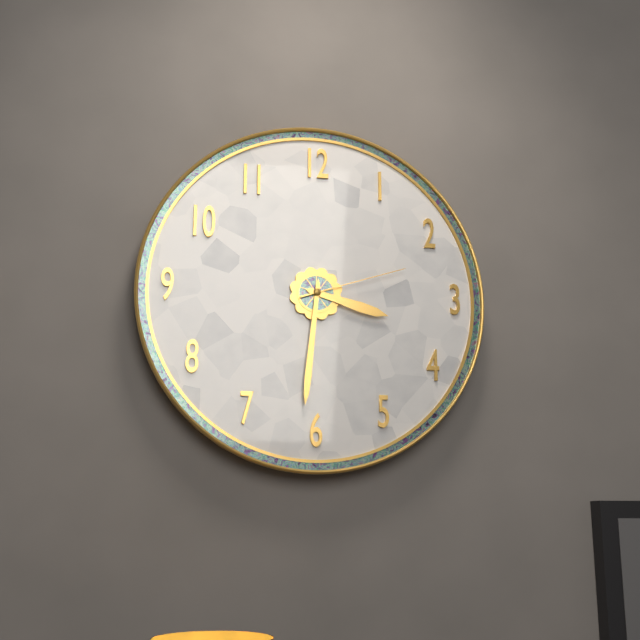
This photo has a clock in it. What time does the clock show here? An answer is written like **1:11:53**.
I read **3:31:12**
